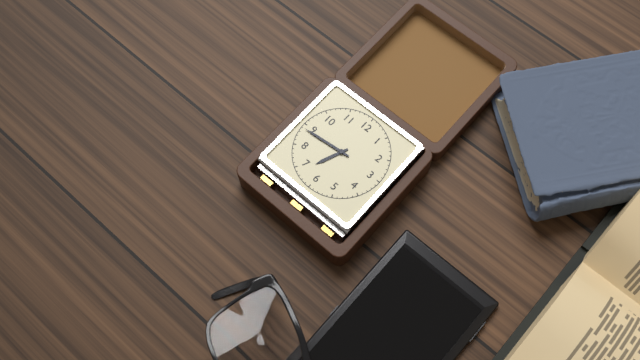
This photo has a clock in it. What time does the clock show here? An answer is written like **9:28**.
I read **6:44**
